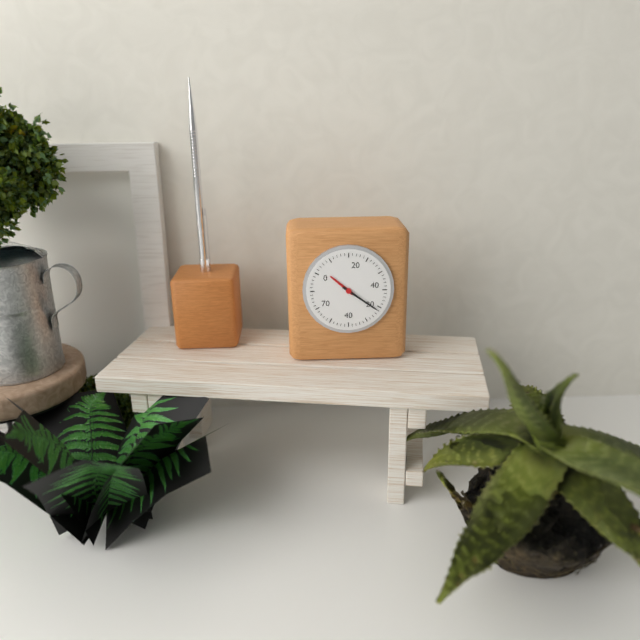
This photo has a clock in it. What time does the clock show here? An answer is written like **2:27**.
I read **10:21**
